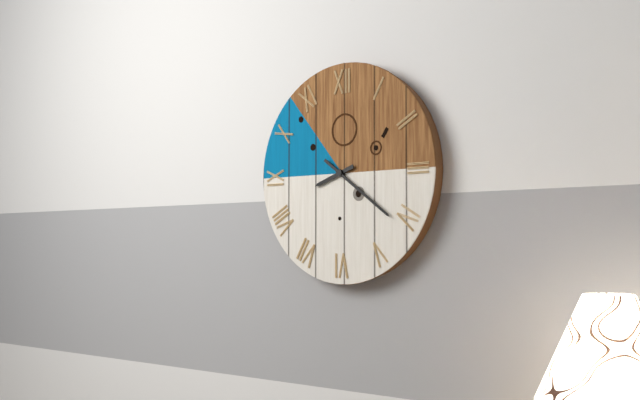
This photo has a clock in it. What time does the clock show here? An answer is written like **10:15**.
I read **8:21**
